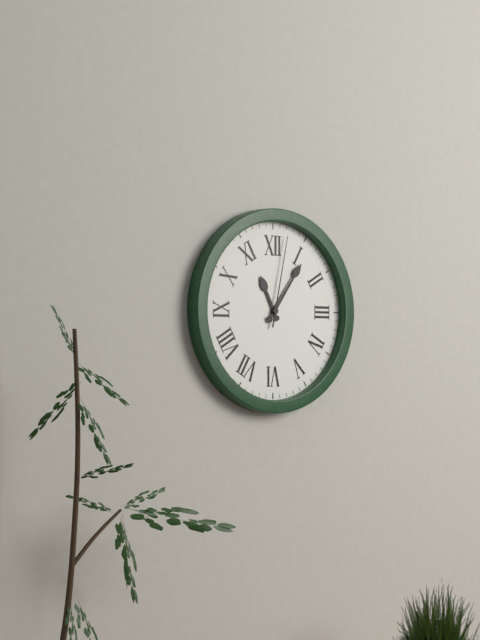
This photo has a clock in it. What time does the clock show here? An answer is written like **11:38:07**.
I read **11:06:02**
